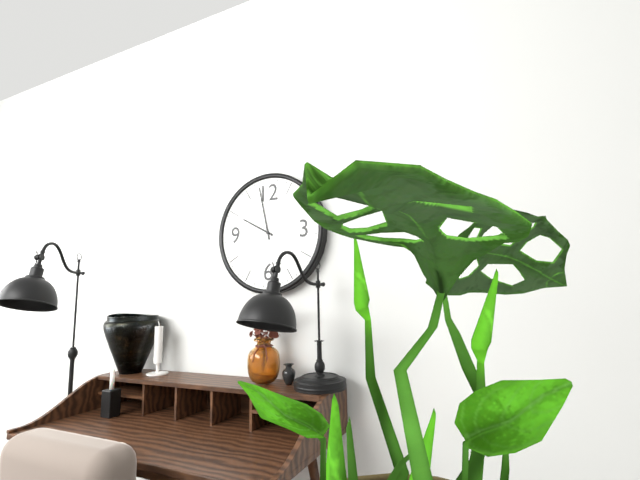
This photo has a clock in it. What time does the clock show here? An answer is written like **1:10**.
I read **9:58**
